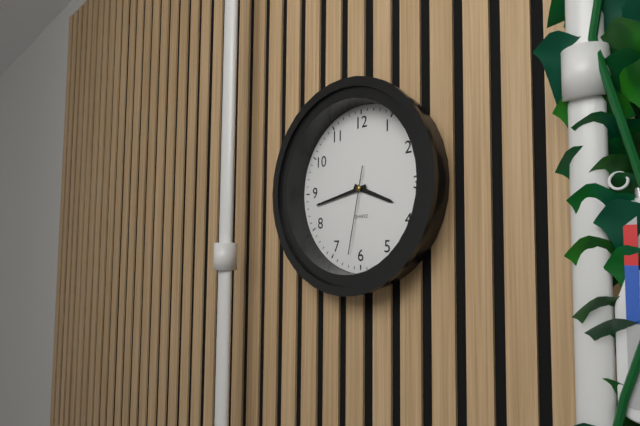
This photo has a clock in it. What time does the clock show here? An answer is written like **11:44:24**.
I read **3:43:32**
